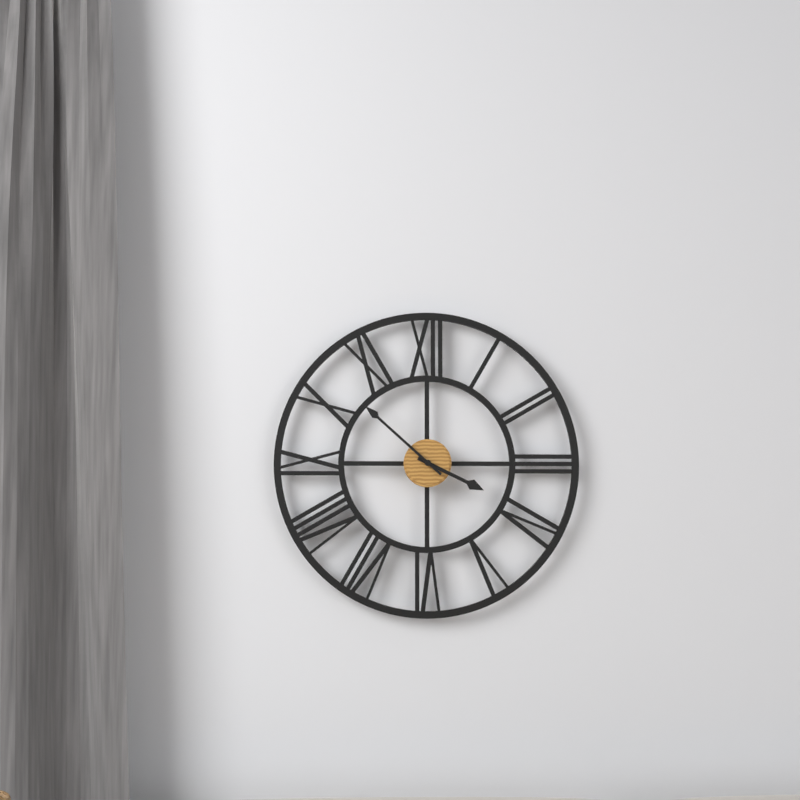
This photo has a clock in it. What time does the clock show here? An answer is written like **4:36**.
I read **3:52**
